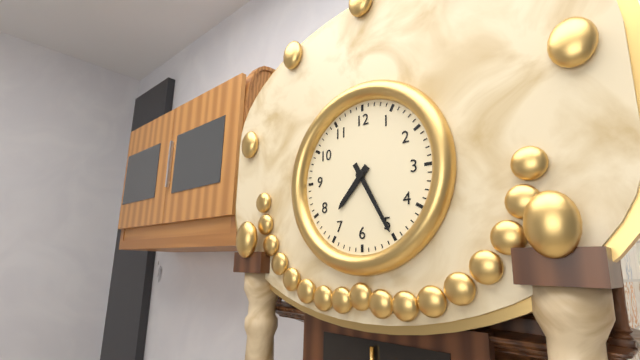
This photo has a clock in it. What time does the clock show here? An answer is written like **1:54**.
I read **7:25**
